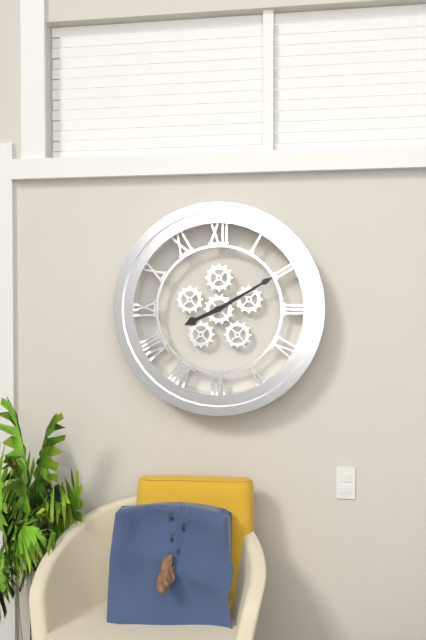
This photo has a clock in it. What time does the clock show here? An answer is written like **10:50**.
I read **8:10**
